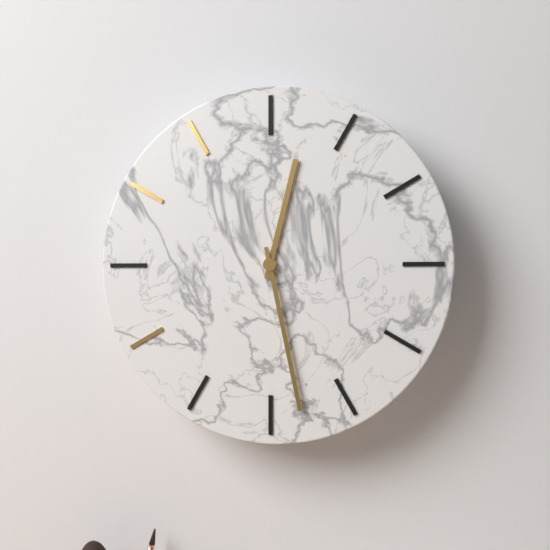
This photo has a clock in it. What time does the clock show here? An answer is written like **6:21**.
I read **12:28**
